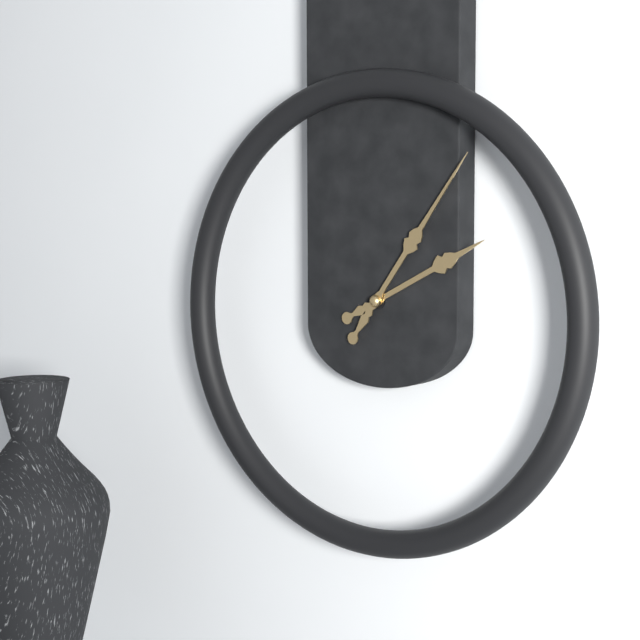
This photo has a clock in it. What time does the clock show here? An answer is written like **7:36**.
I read **2:06**
